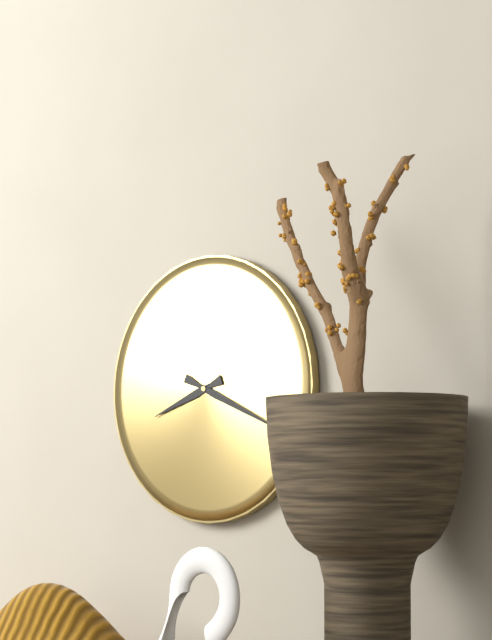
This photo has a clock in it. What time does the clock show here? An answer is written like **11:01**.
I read **8:19**
